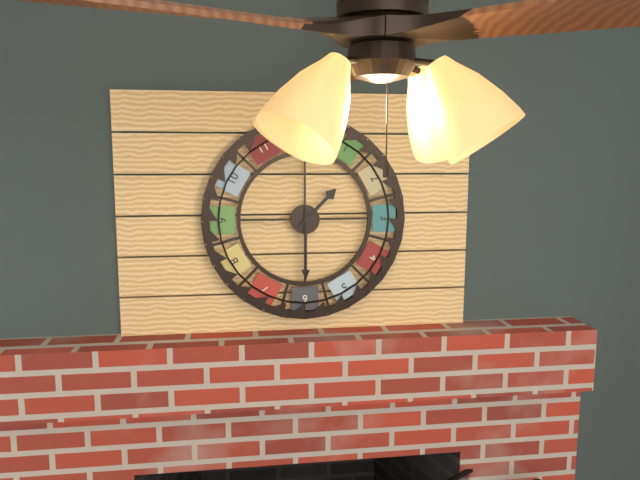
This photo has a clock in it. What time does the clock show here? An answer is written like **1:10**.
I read **1:30**
